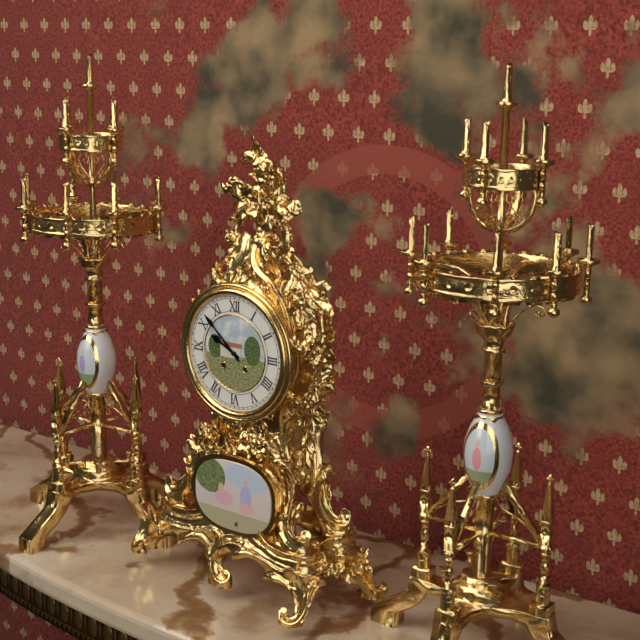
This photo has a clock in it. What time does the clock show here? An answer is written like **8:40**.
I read **9:52**
